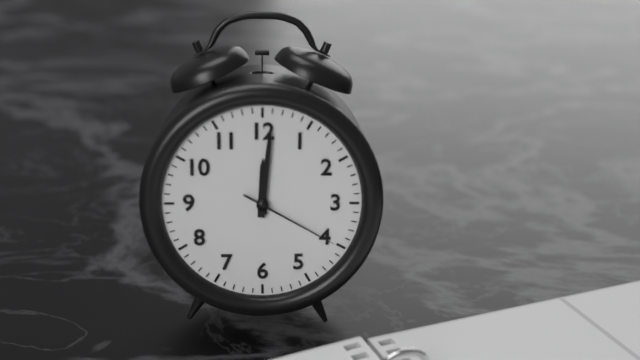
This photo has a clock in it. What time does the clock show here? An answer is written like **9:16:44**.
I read **12:01:20**
